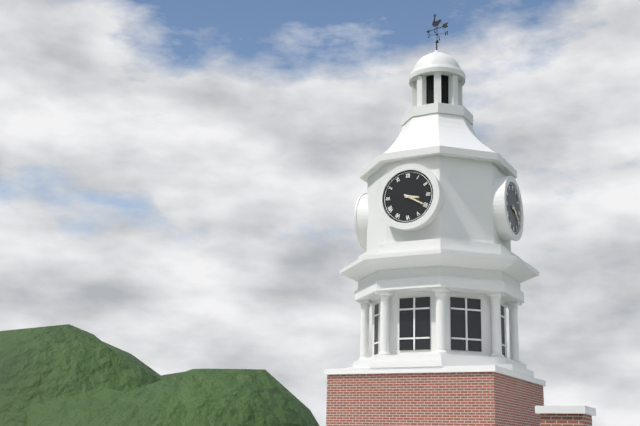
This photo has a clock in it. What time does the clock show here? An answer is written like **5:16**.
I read **3:20**
